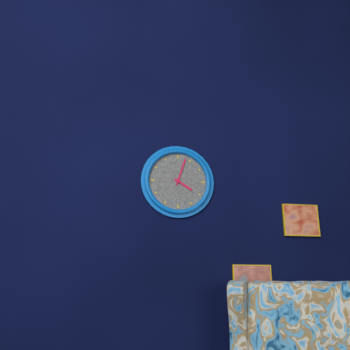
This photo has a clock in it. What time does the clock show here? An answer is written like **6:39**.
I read **4:03**
